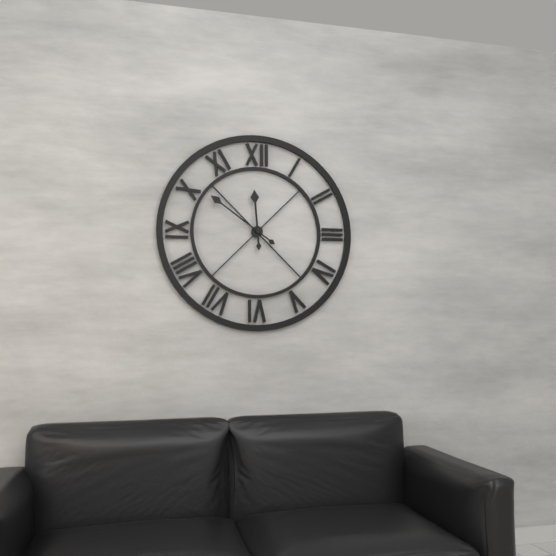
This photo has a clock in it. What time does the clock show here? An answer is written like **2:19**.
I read **11:51**
